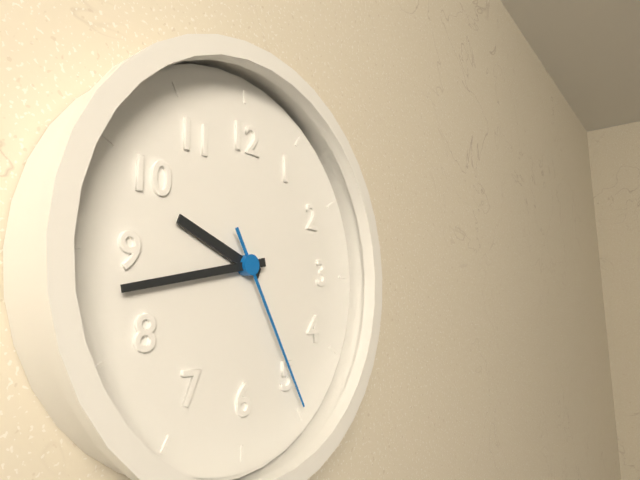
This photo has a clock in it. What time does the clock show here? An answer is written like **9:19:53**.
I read **9:43:25**
